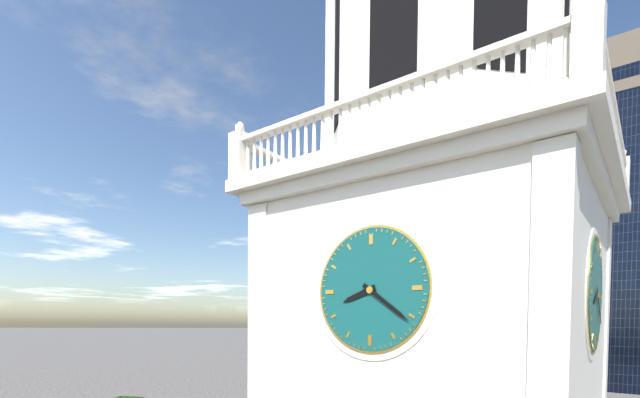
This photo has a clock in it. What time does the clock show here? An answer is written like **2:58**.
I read **8:21**
